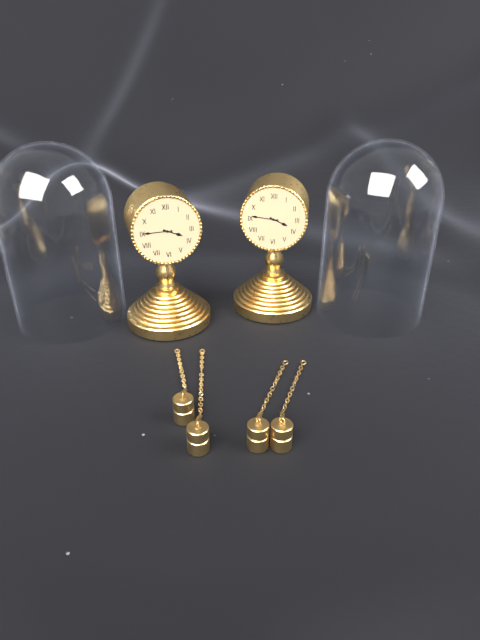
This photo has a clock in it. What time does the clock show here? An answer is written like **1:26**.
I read **3:45**
